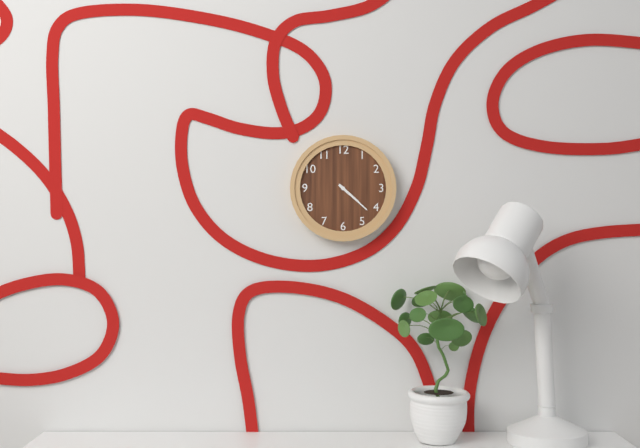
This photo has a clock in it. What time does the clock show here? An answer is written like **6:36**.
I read **4:22**
